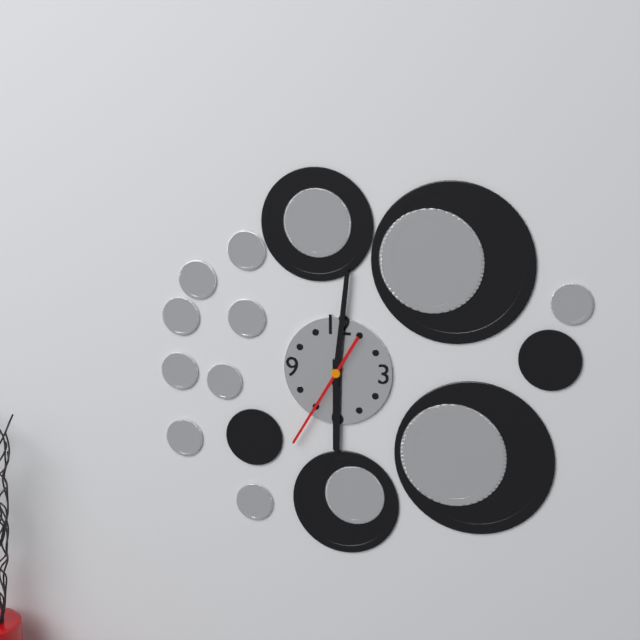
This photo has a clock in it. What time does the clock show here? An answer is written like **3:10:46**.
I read **6:01:35**
